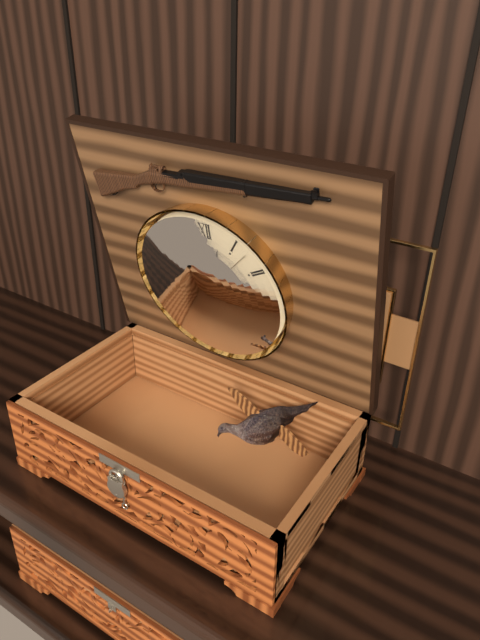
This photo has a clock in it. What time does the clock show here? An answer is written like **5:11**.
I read **12:30**
